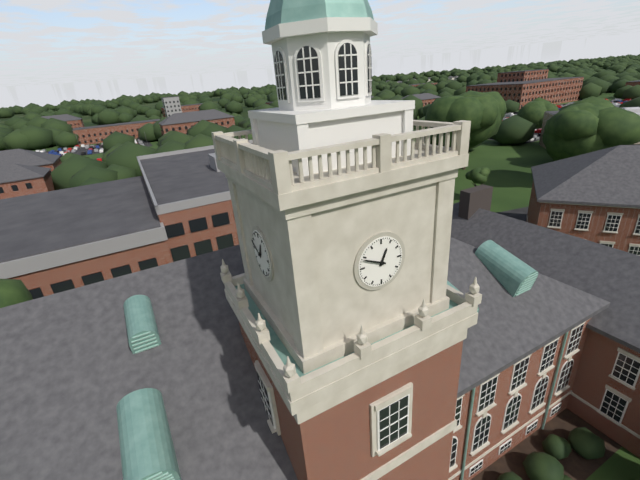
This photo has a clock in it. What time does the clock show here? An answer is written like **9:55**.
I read **12:49**
